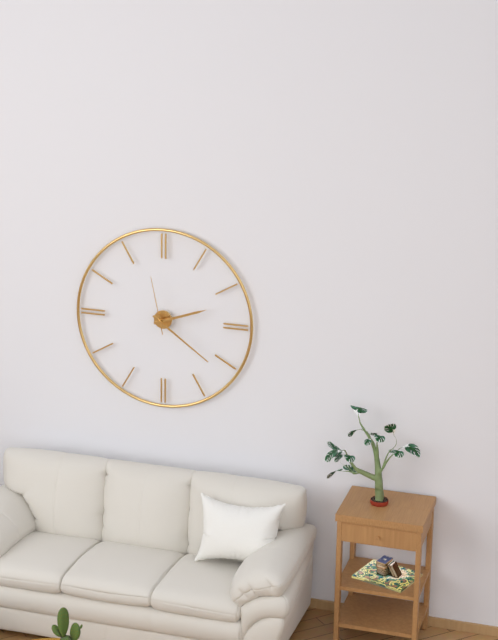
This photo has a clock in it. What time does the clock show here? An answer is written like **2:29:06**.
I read **2:21:58**
